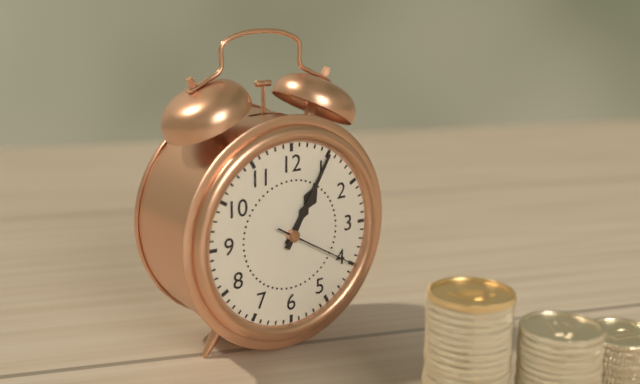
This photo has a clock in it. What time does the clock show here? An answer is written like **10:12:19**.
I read **1:05:20**
